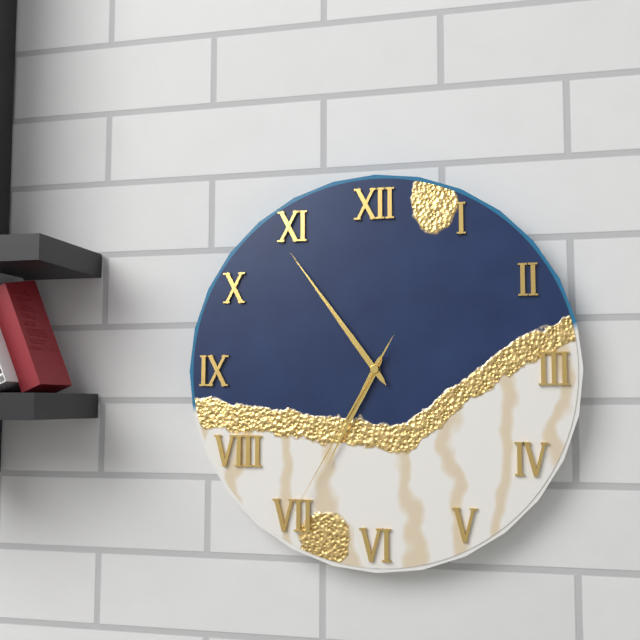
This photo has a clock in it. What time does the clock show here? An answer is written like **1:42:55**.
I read **6:54:35**
